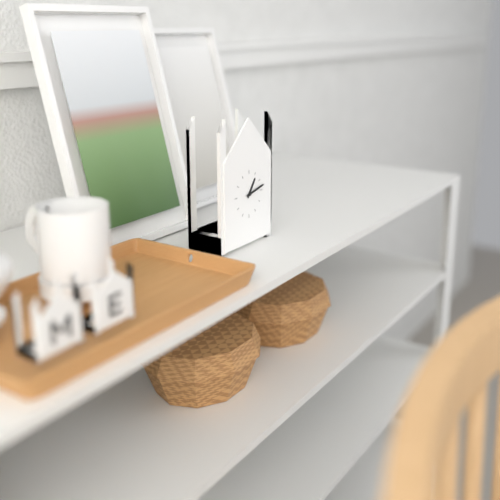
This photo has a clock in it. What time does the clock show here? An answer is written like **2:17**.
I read **1:13**
